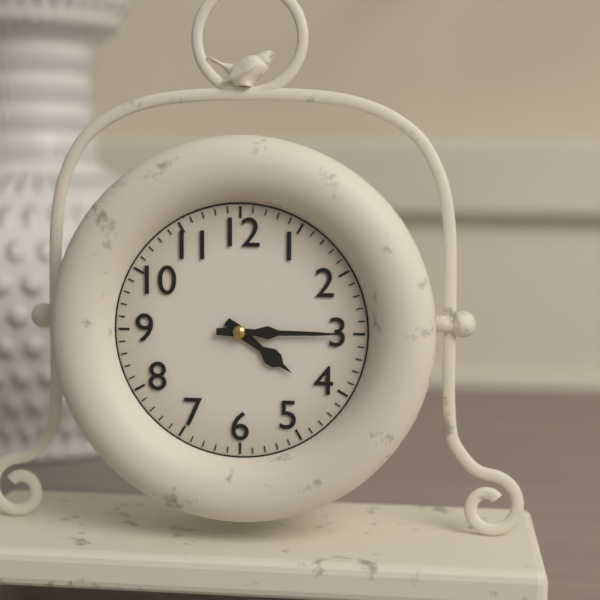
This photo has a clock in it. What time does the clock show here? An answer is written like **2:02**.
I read **4:15**
